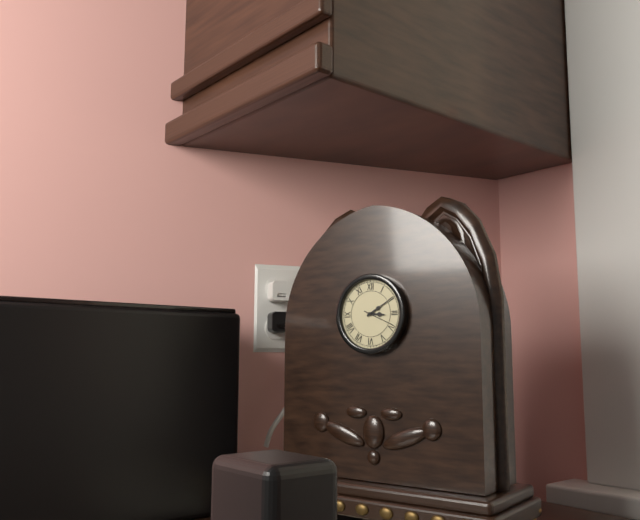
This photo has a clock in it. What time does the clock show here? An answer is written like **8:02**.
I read **3:10**
